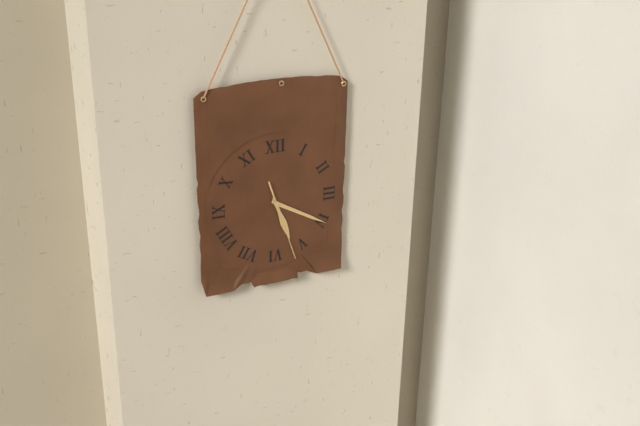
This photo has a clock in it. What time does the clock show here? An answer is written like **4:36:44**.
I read **5:20:27**
